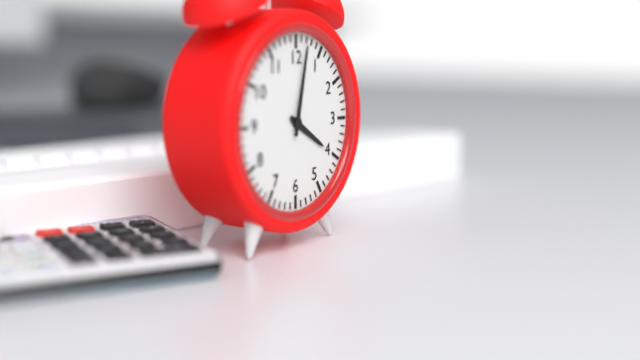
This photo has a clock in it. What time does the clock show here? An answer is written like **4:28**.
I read **4:02**
